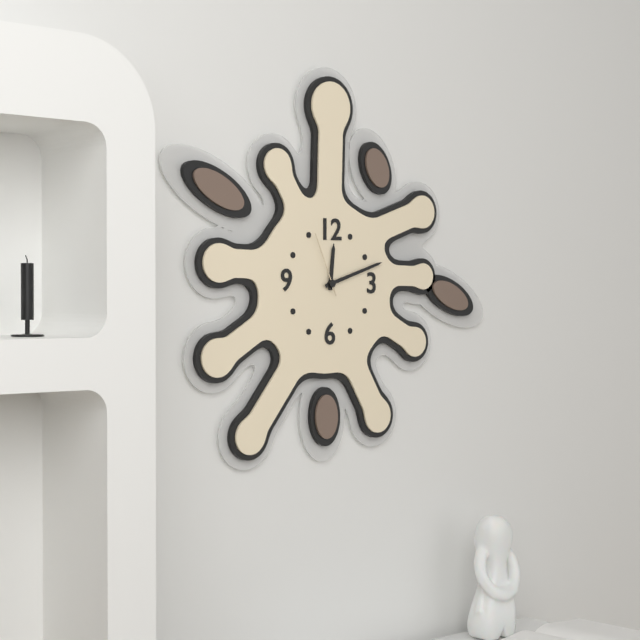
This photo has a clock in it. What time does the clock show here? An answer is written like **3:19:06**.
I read **12:12:56**
